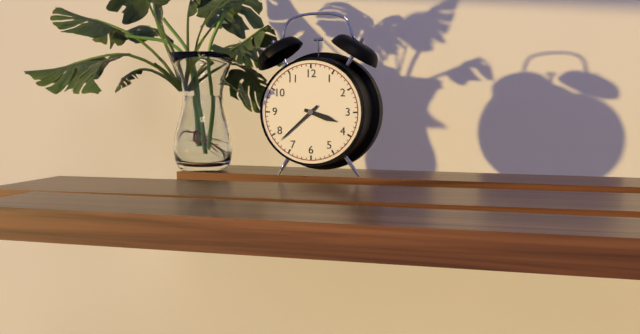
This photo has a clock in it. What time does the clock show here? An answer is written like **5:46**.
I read **3:38**
